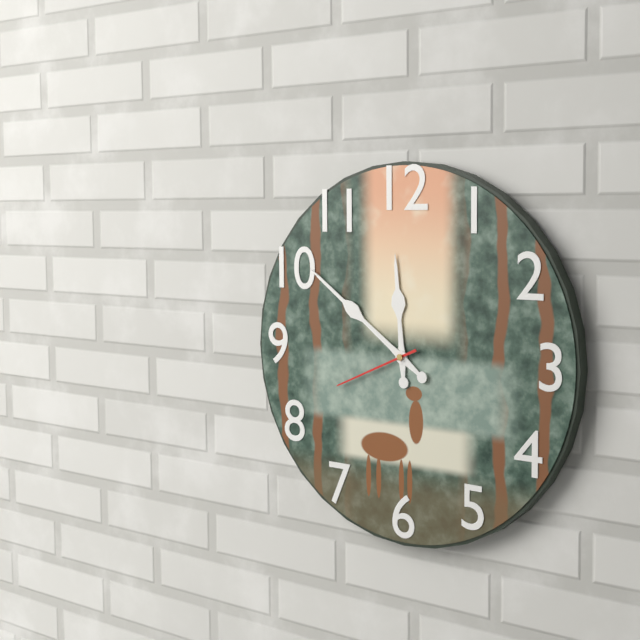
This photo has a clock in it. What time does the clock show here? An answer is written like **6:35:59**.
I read **11:51:41**
